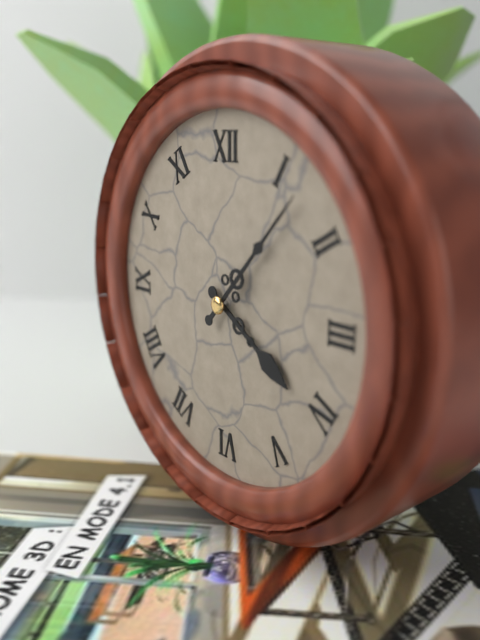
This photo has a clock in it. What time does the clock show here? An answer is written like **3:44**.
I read **4:07**
